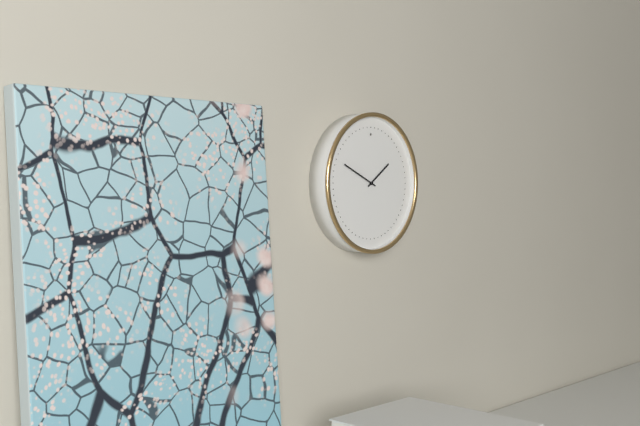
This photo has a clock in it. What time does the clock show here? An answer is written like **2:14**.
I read **1:49**
